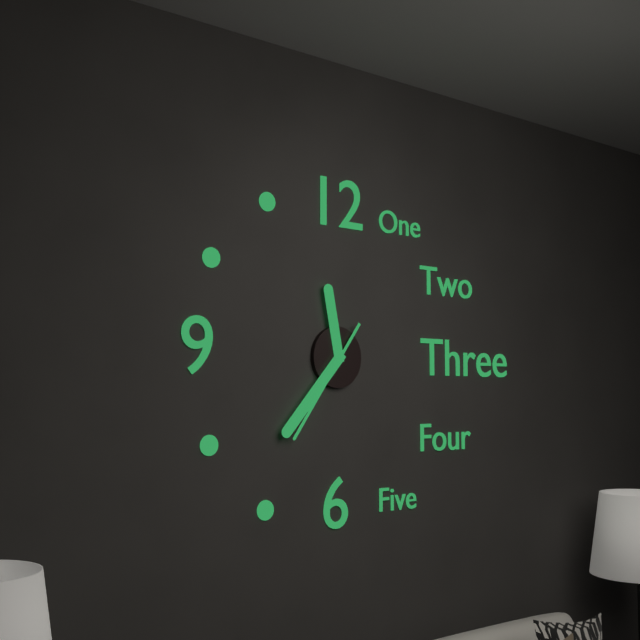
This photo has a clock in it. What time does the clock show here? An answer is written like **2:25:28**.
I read **11:37:36**
